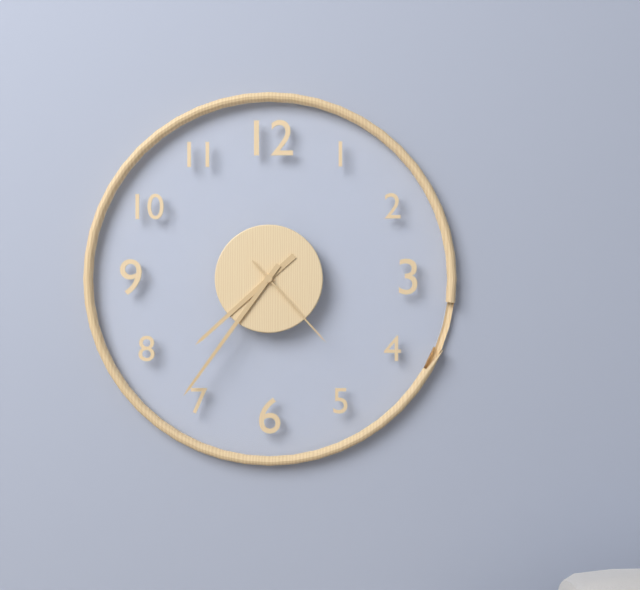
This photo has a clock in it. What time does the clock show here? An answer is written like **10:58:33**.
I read **7:36:23**
